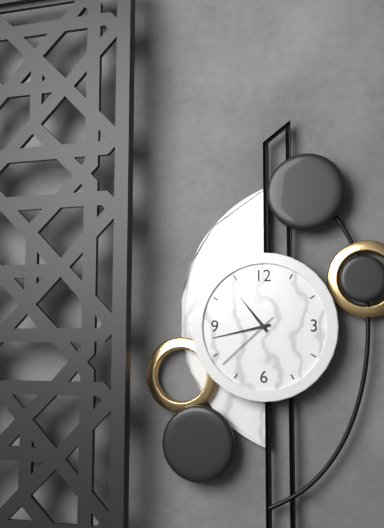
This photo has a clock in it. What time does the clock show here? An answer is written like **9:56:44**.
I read **10:43:38**
